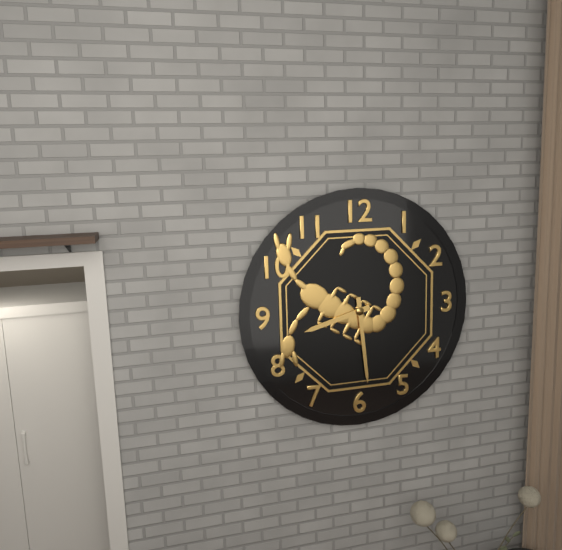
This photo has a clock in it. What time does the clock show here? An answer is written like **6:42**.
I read **8:29**
